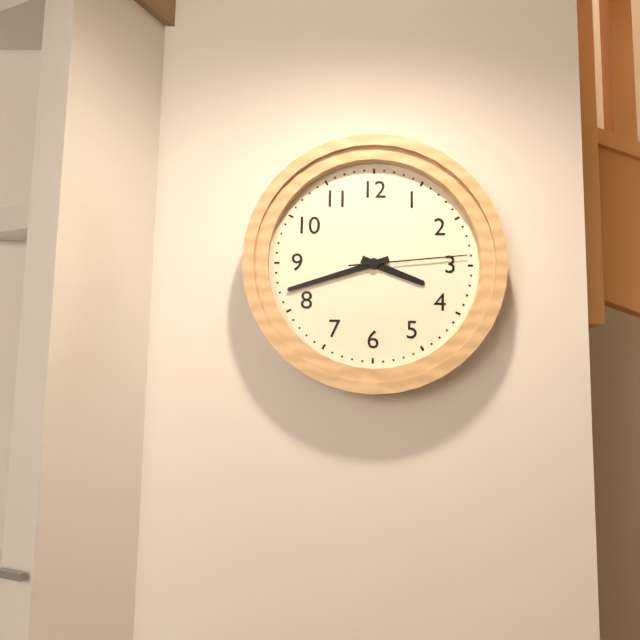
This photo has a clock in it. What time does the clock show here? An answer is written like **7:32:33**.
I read **3:42:14**
